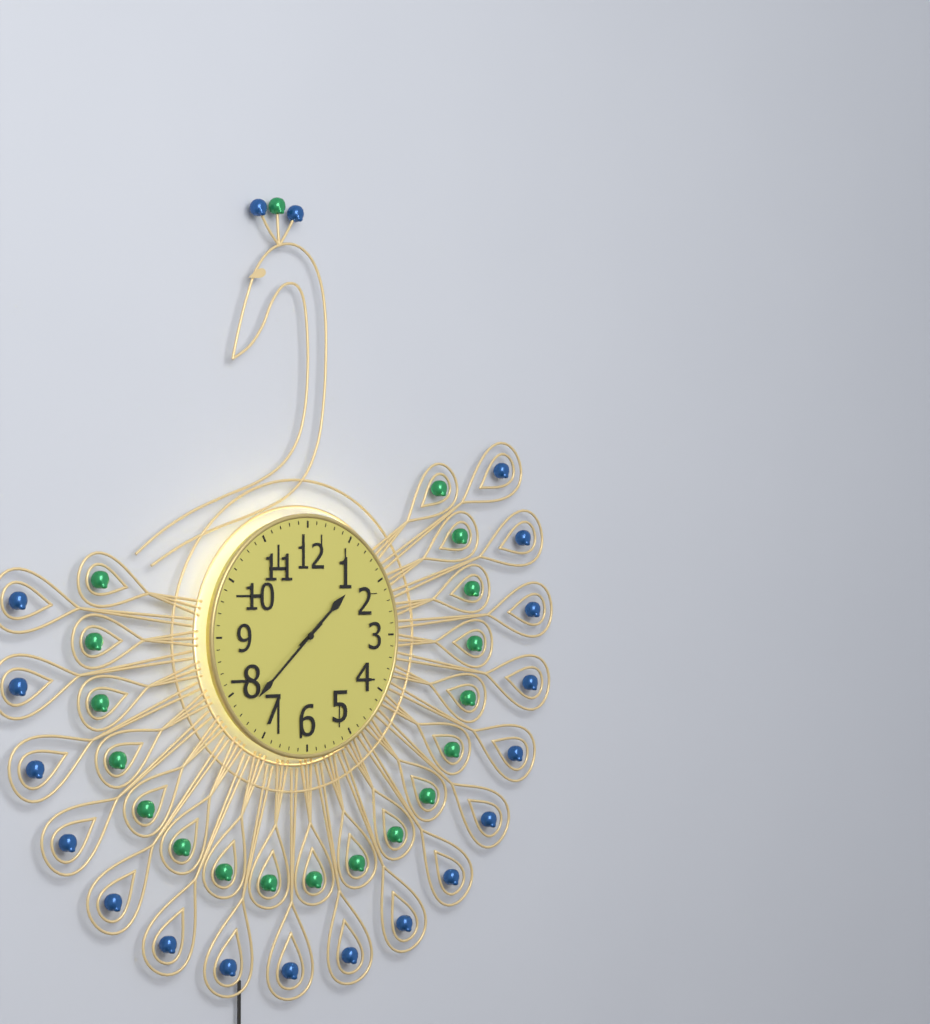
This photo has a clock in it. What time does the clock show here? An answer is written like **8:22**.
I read **1:38**
